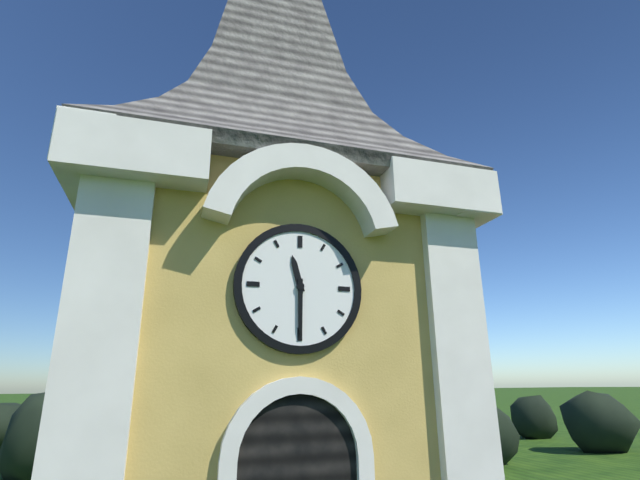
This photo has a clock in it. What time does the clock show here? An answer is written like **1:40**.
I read **11:30**
